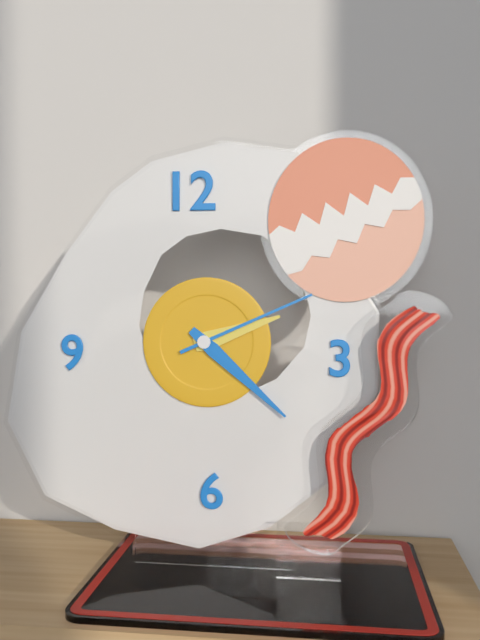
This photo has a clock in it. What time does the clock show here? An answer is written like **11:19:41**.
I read **2:22:11**
